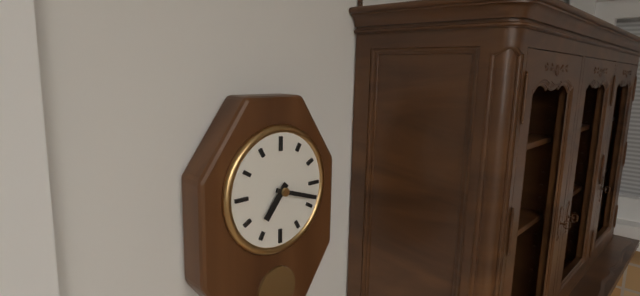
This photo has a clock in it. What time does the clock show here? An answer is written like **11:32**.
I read **7:18**
